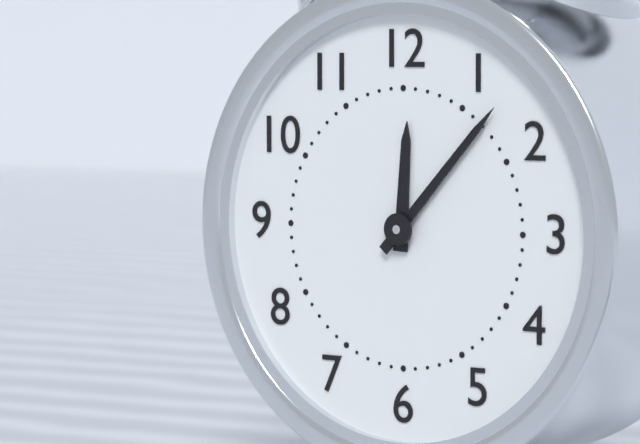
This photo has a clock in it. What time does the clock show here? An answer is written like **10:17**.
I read **12:07**
